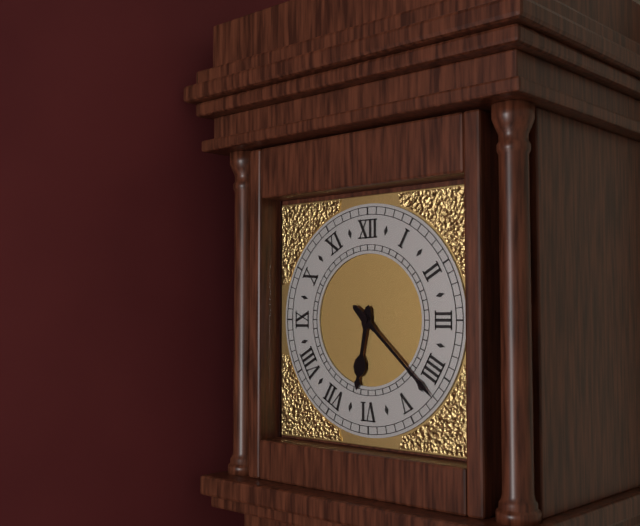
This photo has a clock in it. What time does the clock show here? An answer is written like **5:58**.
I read **6:22**
